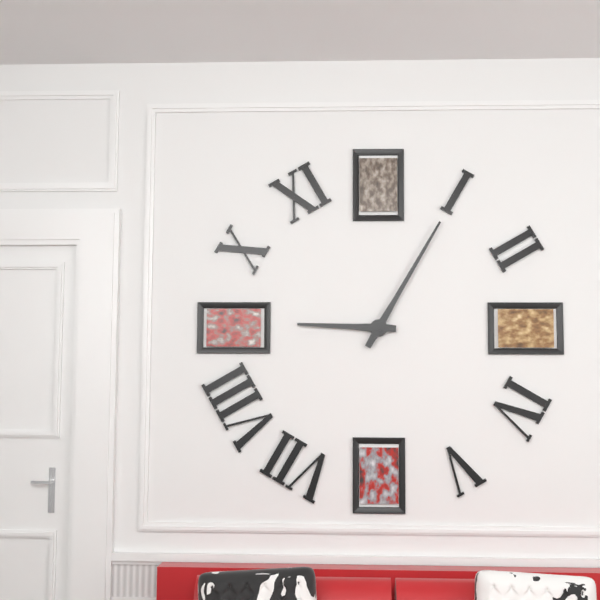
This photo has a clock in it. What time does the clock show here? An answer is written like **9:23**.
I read **9:05**
